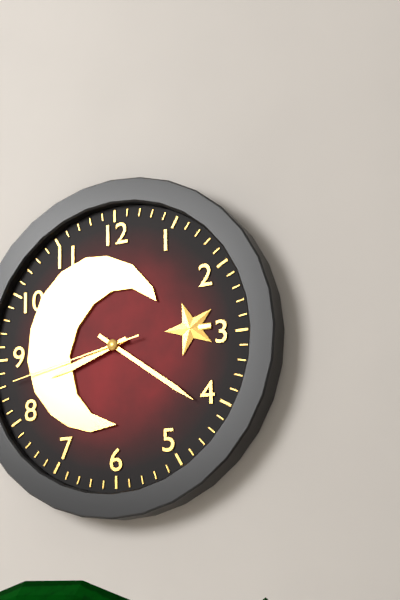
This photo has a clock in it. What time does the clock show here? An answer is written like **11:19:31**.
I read **8:21:43**
